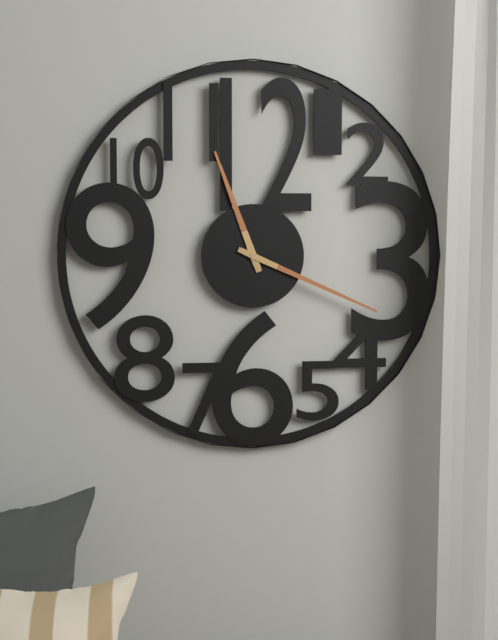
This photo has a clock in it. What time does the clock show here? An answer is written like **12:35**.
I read **11:19**
